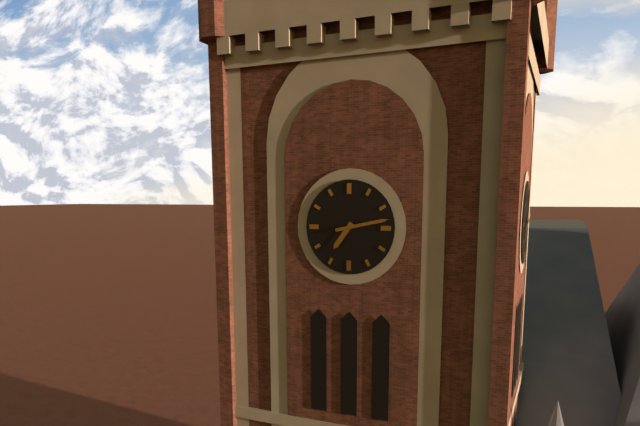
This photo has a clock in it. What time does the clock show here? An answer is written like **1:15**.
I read **7:13**
